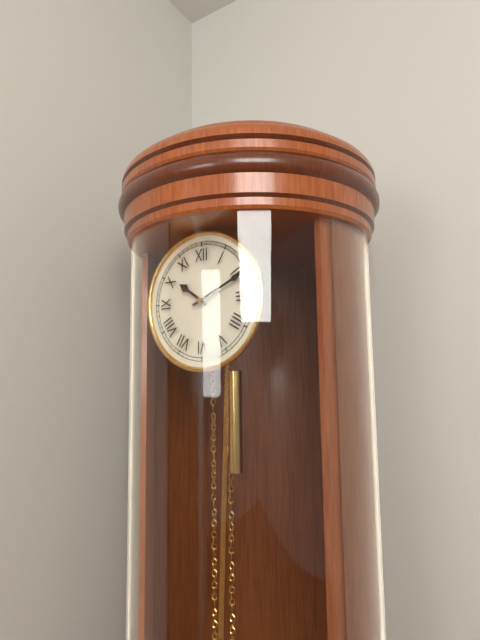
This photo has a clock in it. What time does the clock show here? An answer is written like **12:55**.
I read **10:11**
